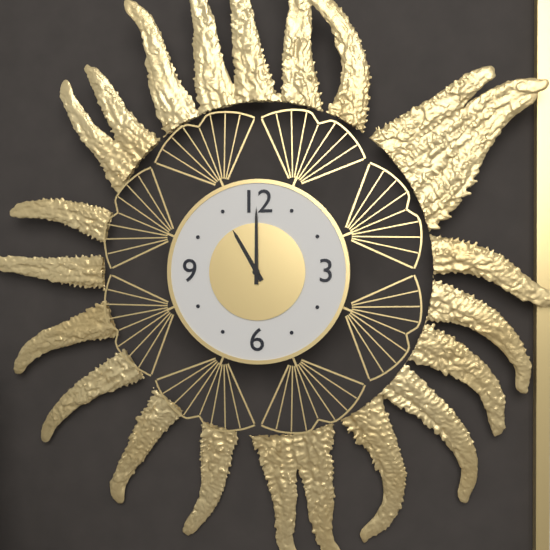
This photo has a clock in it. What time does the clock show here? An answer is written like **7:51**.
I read **11:00**
